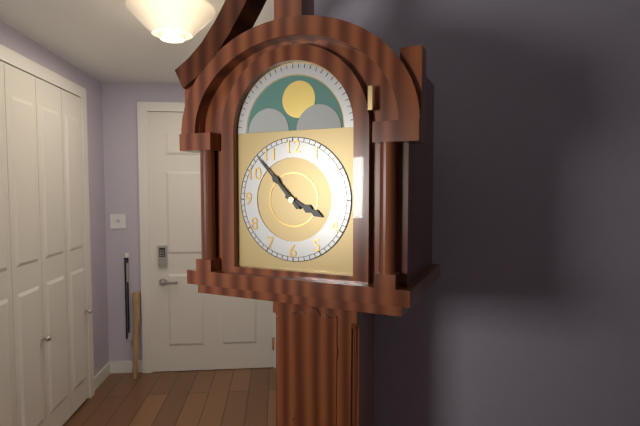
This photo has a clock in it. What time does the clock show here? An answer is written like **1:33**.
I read **3:53**
